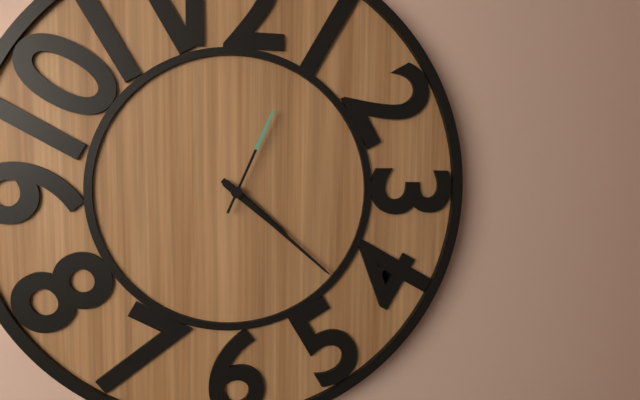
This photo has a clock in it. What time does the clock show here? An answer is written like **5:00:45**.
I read **4:22:04**
